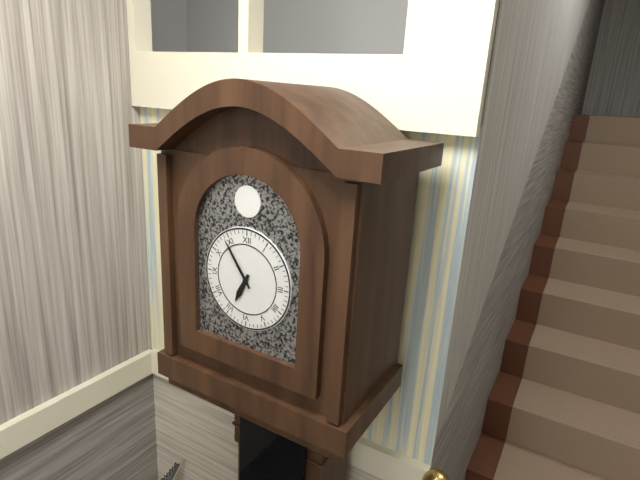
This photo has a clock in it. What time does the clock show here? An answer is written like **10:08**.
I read **6:54**
